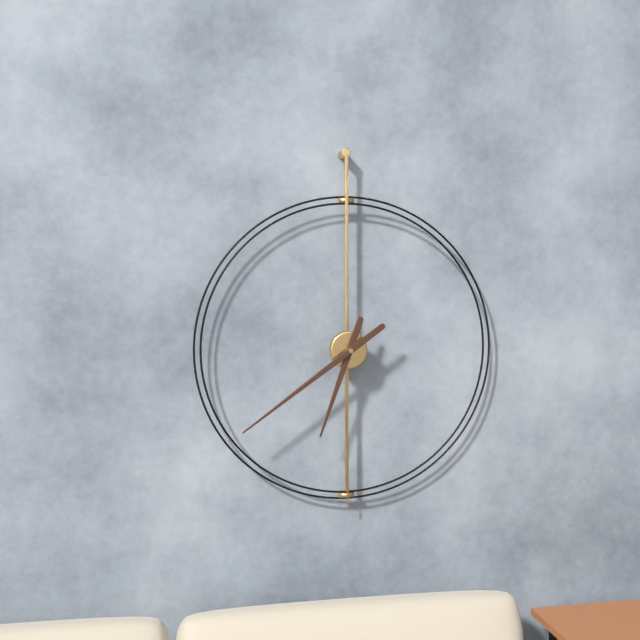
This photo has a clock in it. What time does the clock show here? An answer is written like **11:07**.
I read **6:39**
